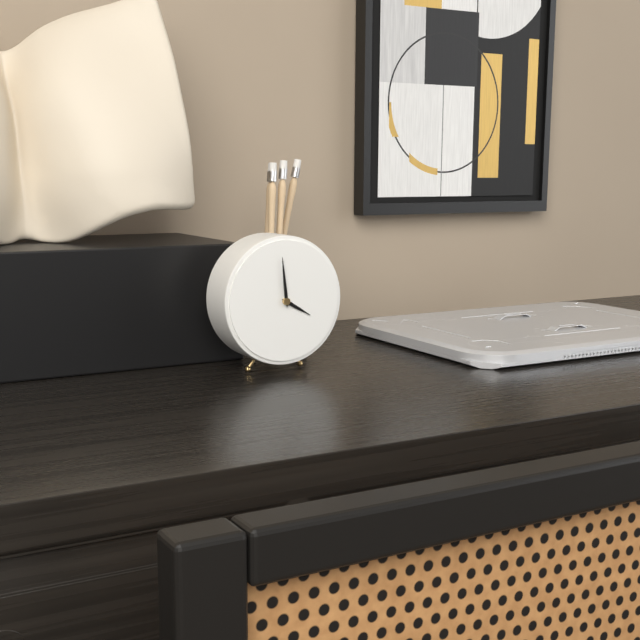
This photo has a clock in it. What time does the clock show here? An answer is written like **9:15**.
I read **3:59**
